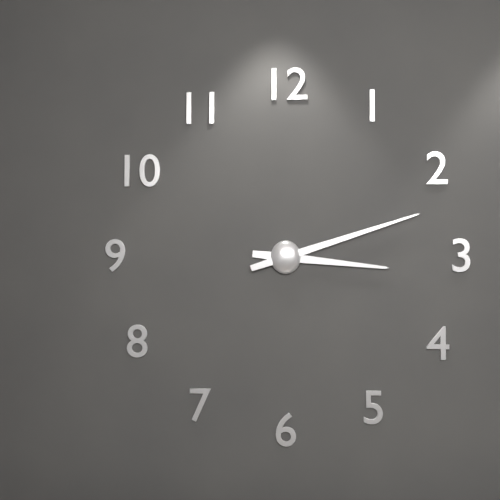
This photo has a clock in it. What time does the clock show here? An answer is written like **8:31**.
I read **3:12**
